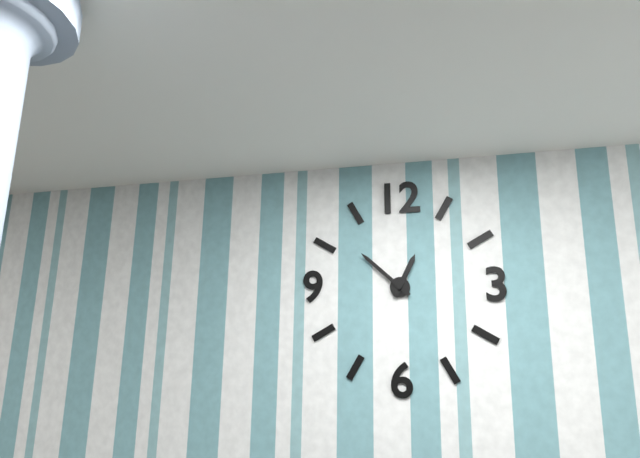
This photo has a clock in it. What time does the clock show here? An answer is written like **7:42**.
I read **12:52**
